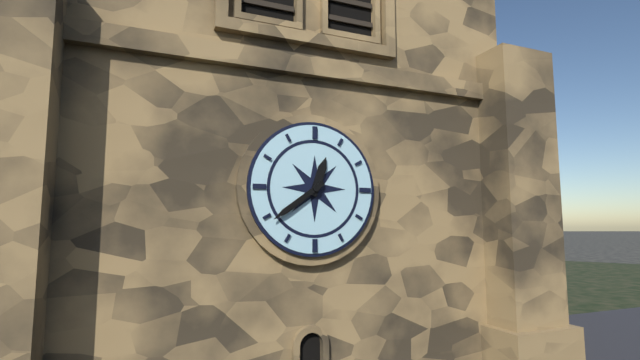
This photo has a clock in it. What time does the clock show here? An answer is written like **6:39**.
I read **12:39**
